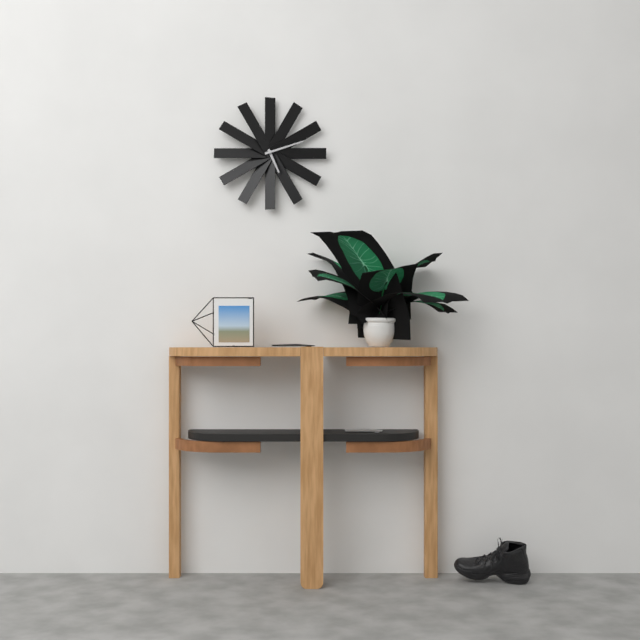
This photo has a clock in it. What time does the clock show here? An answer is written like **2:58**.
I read **5:12**
